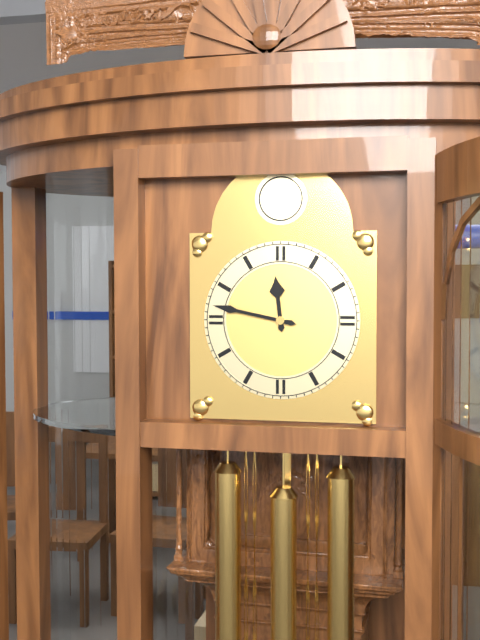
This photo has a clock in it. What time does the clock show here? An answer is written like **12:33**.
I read **11:47**
